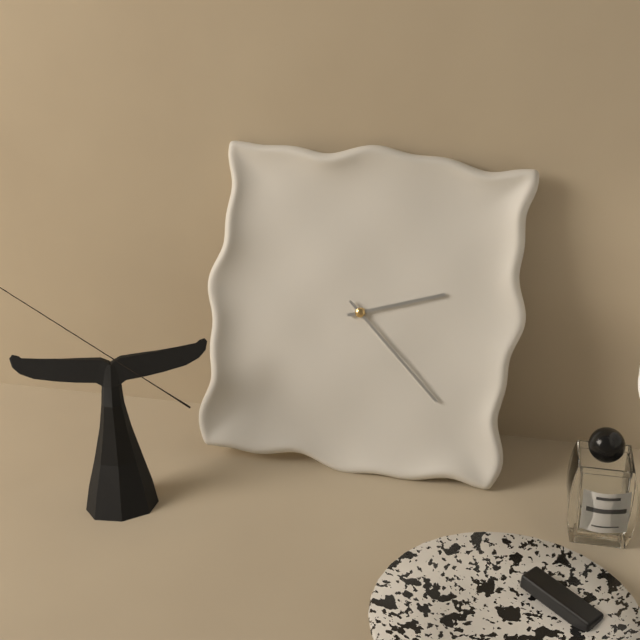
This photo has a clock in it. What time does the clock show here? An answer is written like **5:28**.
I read **2:22**
